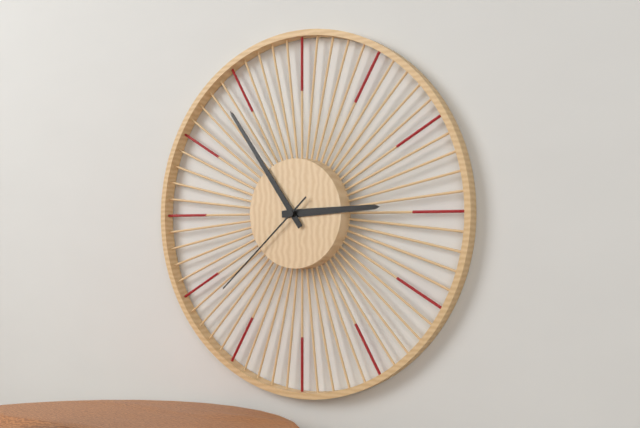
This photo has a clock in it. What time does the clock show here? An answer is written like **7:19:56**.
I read **2:54:38**
